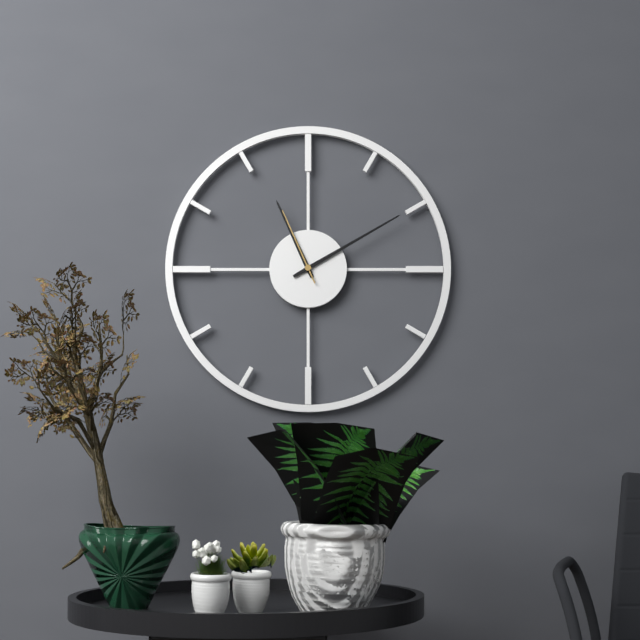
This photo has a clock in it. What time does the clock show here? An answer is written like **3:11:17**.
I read **11:10:56**
